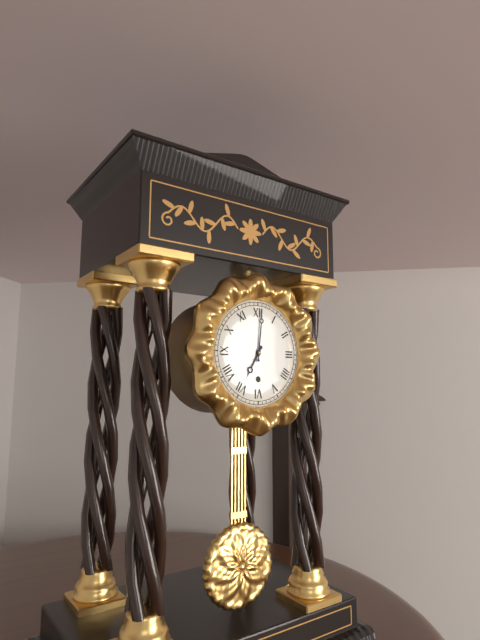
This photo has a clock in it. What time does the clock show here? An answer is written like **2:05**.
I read **7:01**
